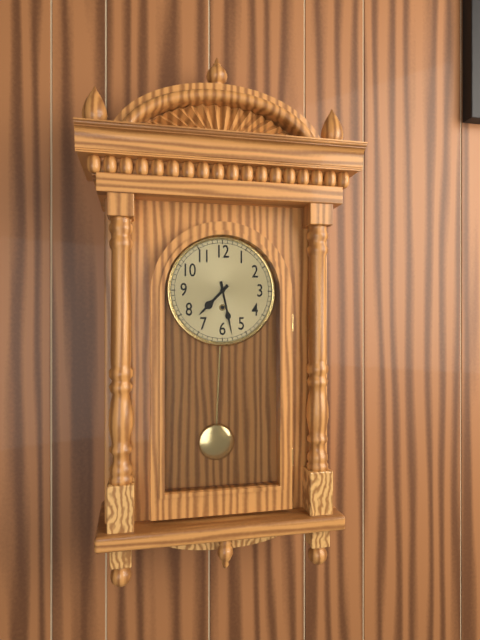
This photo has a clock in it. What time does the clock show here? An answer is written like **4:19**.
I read **7:28**
